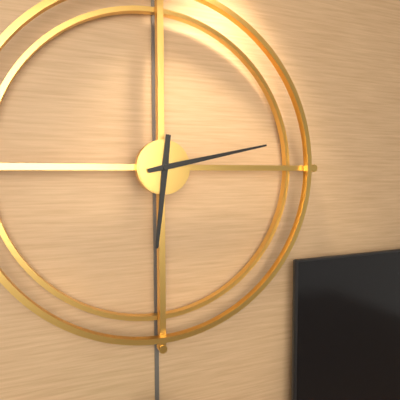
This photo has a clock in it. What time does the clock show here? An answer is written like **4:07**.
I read **6:13**
